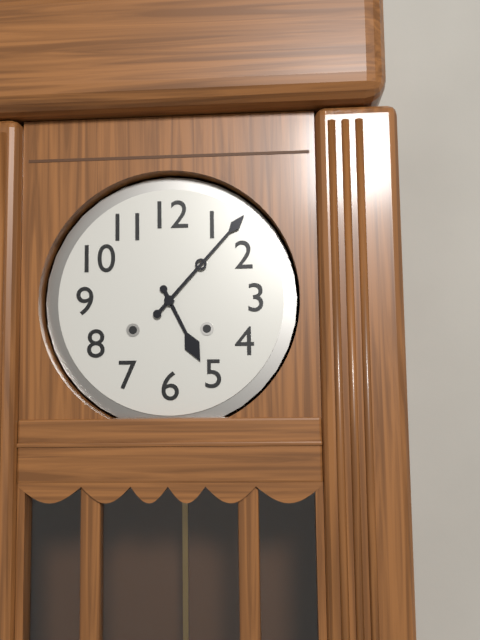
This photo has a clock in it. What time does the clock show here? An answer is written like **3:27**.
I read **5:07**
